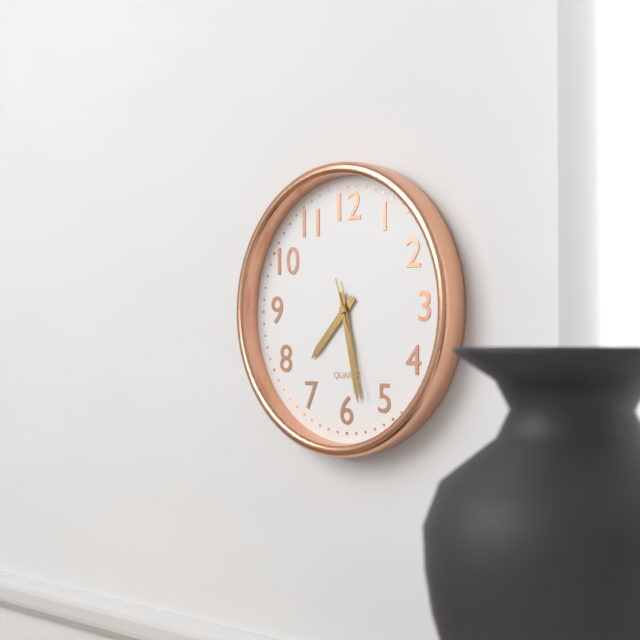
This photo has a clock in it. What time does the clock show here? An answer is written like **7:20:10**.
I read **7:28:27**
